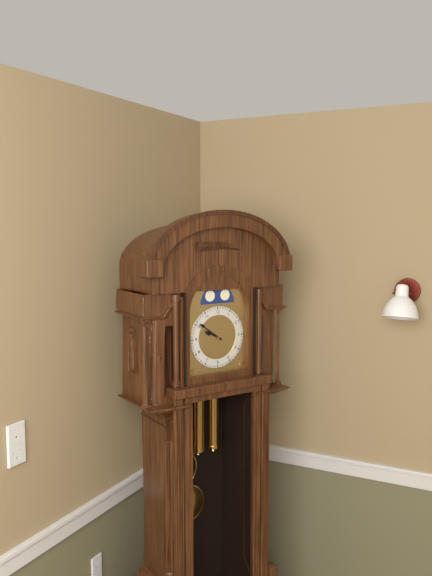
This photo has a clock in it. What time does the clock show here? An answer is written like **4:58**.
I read **9:51**
